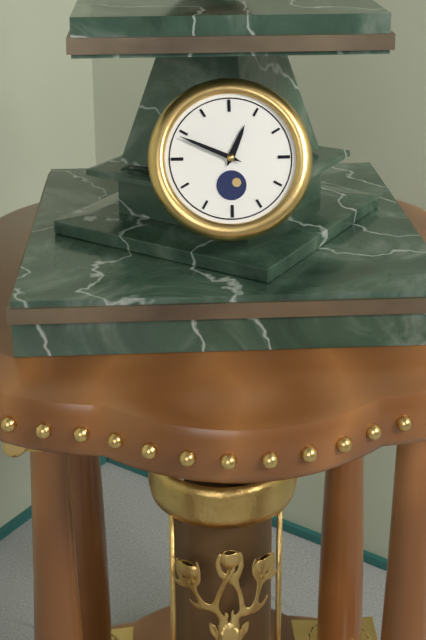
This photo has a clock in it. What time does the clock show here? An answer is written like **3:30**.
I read **12:49**
